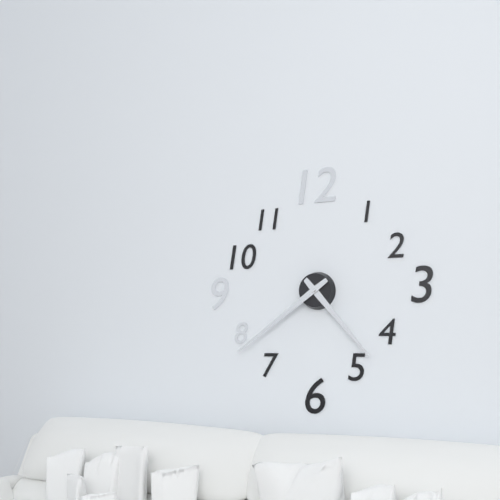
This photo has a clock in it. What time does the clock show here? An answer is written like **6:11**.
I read **4:39**
